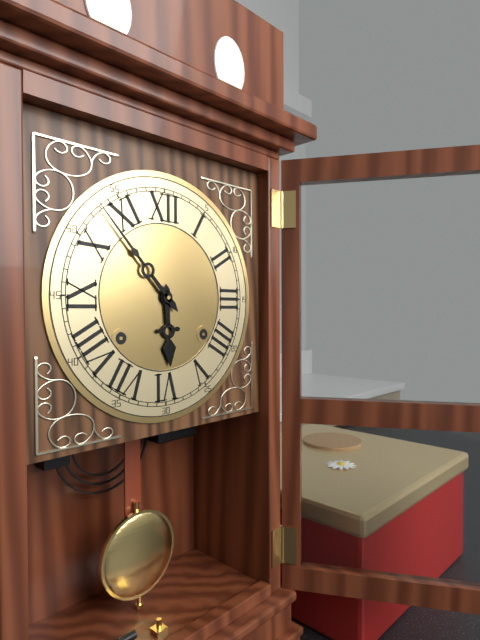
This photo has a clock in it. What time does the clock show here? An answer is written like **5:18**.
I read **5:53**
